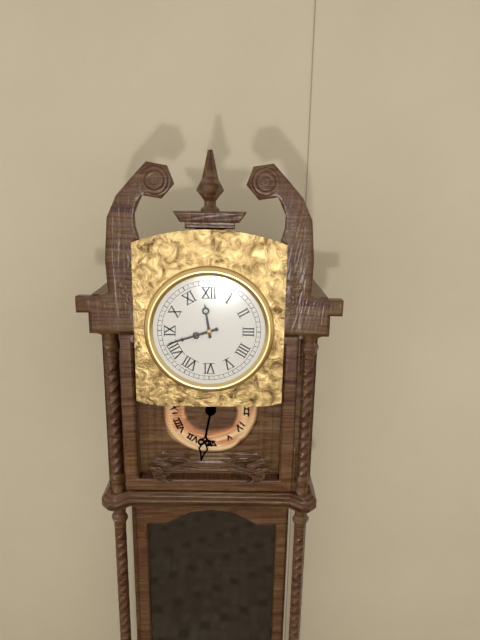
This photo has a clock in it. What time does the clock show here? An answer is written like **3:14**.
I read **11:42**
